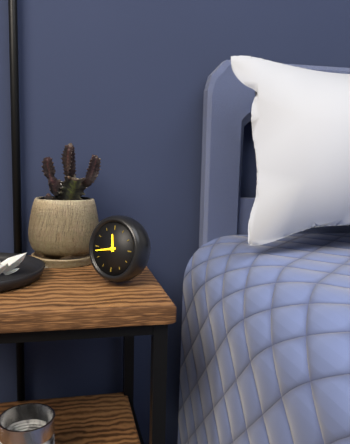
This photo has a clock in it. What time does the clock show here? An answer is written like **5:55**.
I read **11:43**
